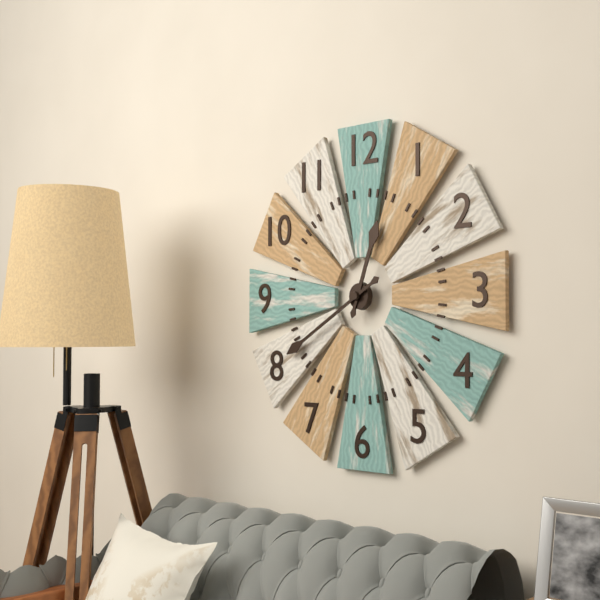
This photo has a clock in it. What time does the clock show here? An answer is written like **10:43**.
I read **12:40**
